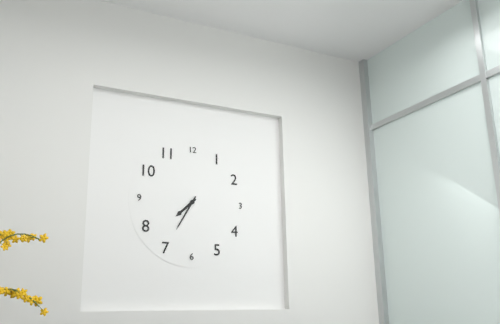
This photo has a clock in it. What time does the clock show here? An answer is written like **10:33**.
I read **7:35**
